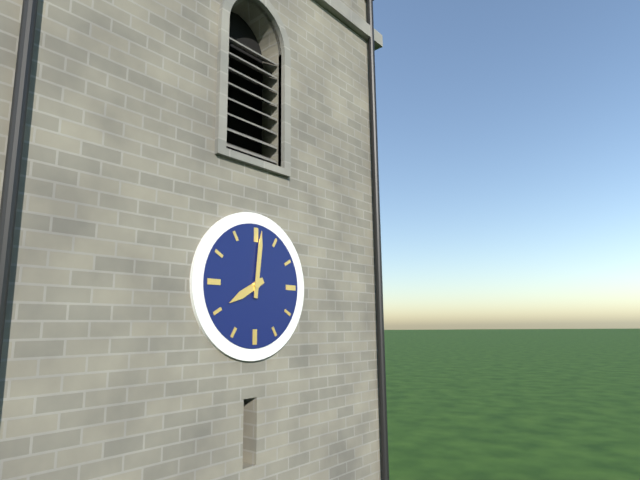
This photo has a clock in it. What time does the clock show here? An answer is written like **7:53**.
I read **8:01**
